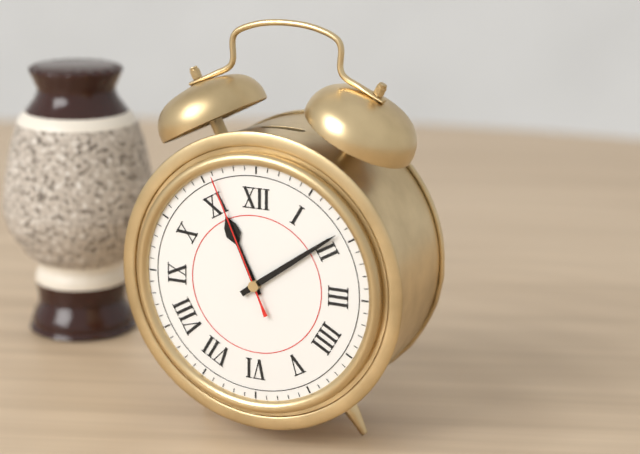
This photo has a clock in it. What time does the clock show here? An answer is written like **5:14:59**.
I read **11:09:56**
